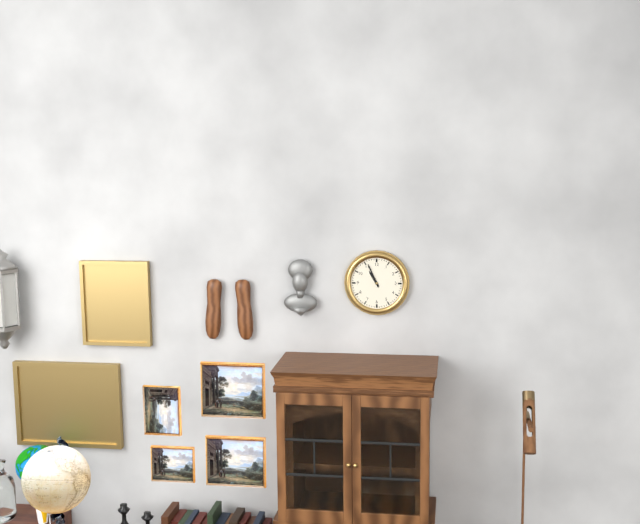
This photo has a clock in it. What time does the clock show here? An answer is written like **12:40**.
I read **10:56**
